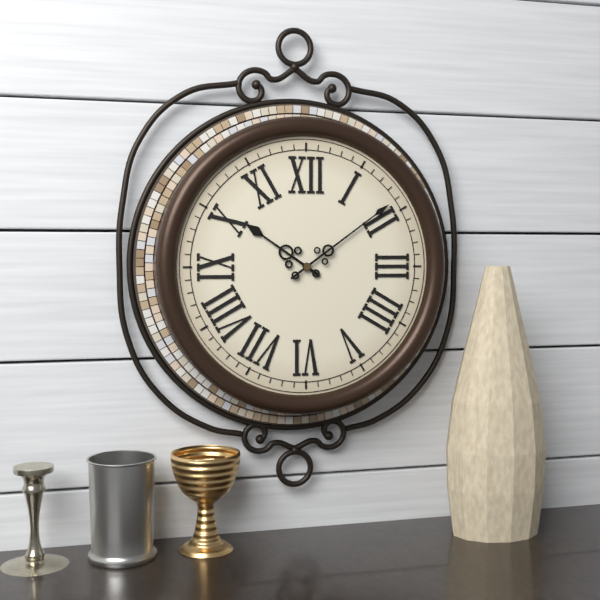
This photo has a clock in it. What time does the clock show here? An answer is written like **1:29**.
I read **10:09**
